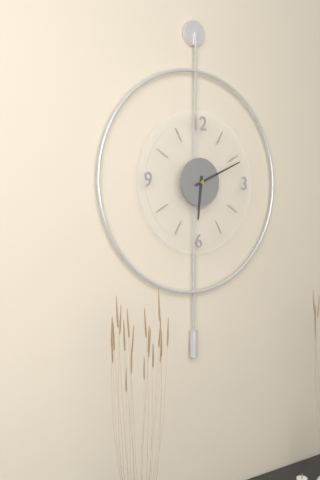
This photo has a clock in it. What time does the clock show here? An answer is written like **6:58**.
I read **6:11**
